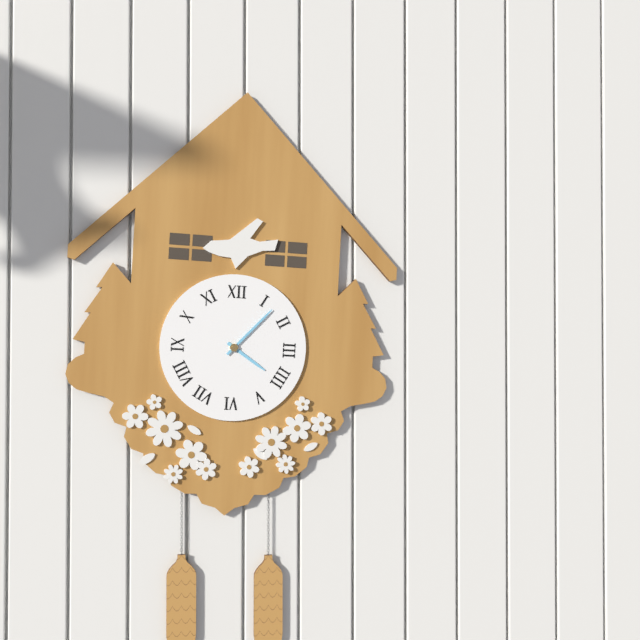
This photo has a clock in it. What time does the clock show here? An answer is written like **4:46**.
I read **4:07**
